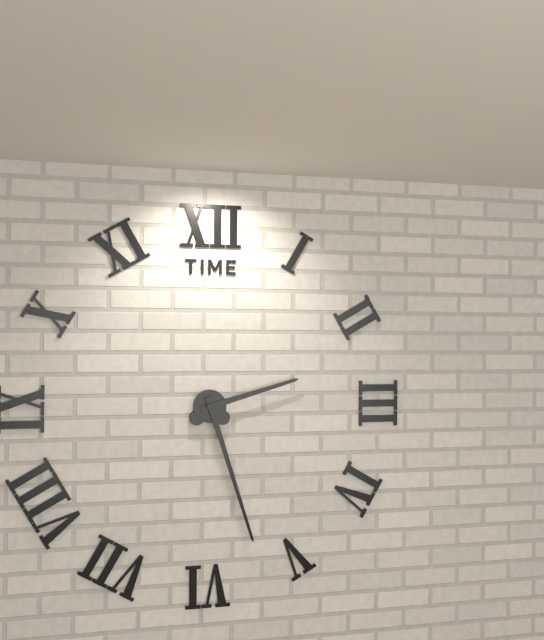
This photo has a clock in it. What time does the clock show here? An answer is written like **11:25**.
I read **2:27**
